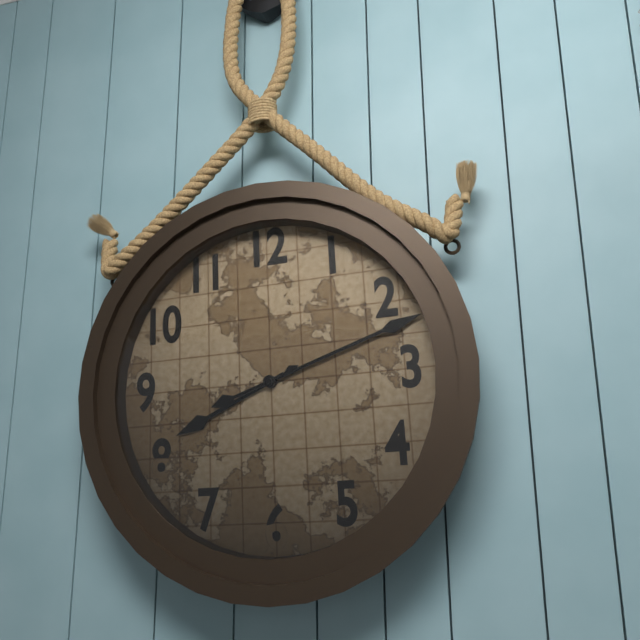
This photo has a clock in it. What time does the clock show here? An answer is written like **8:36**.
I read **8:12**
